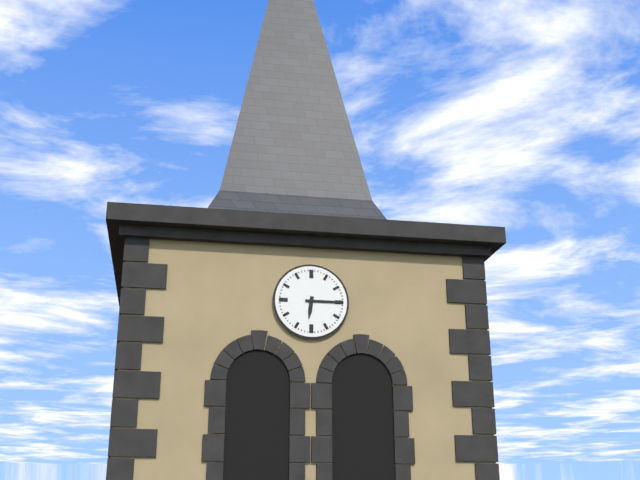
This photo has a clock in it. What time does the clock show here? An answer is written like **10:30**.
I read **6:15**
